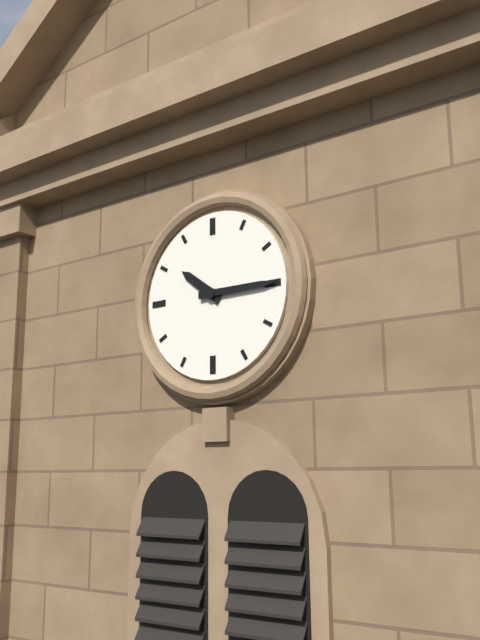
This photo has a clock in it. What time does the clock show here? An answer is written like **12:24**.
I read **10:15**
